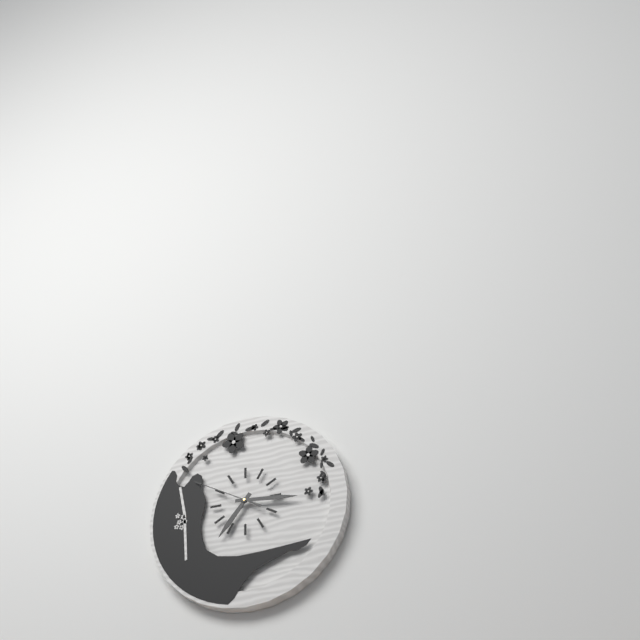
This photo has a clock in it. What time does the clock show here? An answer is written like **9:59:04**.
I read **7:16:50**
